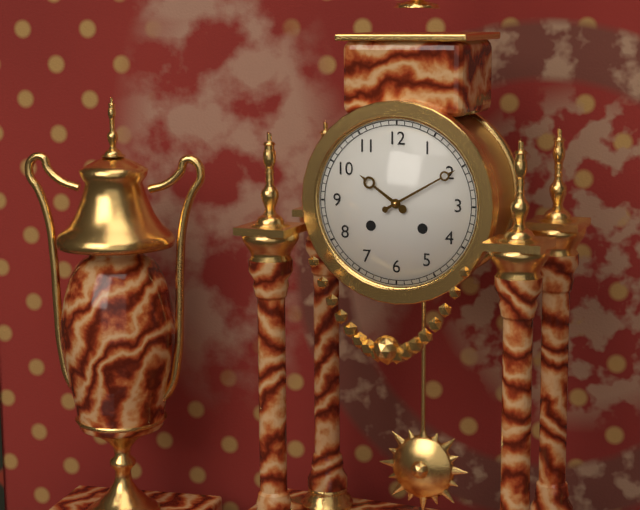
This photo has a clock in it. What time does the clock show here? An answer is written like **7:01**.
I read **10:10**
